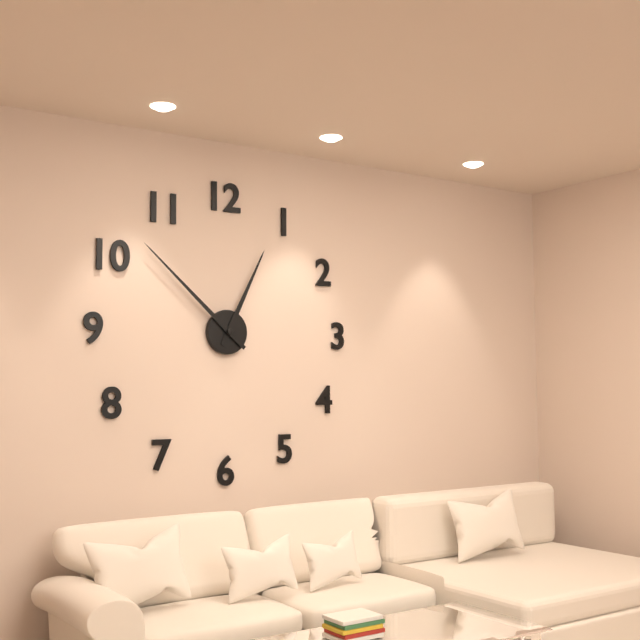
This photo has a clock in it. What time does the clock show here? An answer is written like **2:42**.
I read **12:52**
